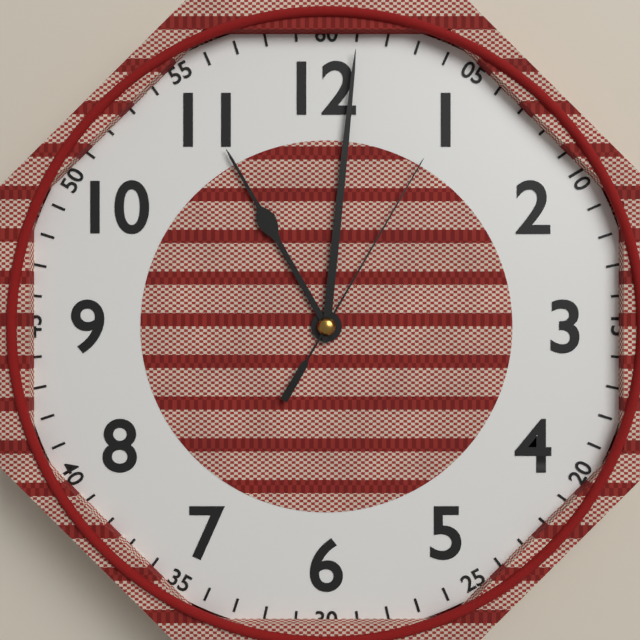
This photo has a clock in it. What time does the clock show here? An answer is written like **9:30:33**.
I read **11:01:05**
